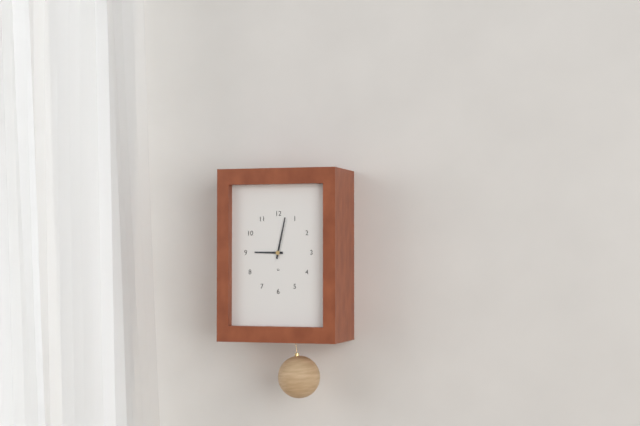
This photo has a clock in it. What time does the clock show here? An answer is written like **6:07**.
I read **9:02**
